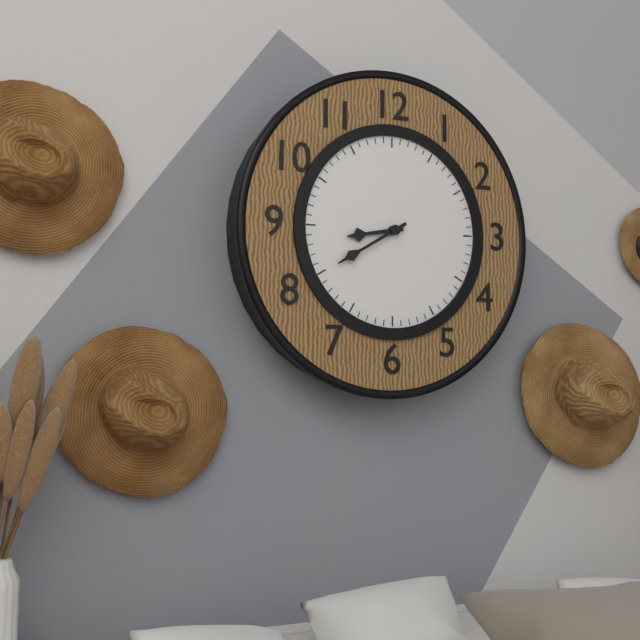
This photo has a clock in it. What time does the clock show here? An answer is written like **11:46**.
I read **8:40**
